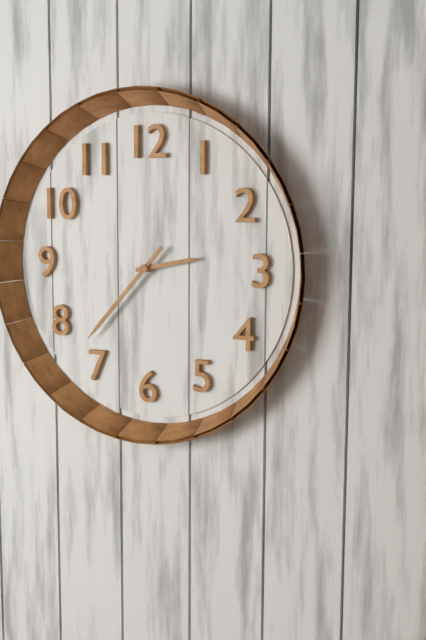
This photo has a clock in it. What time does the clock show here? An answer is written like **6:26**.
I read **2:37**
